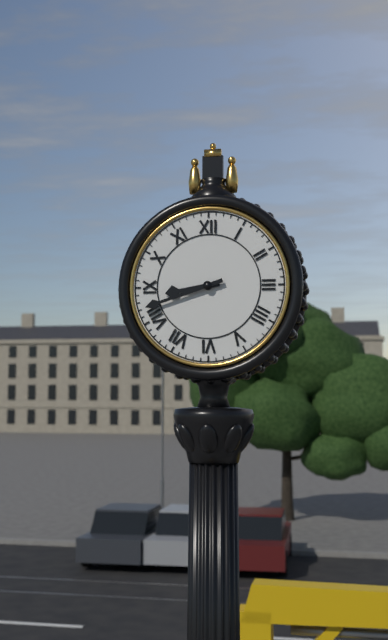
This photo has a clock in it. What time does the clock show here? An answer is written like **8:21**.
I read **8:42**
